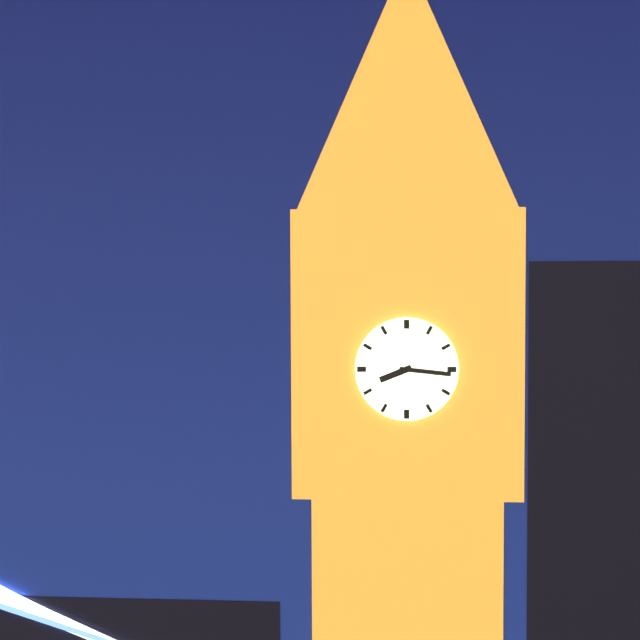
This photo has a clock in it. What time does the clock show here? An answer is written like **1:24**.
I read **8:16**
